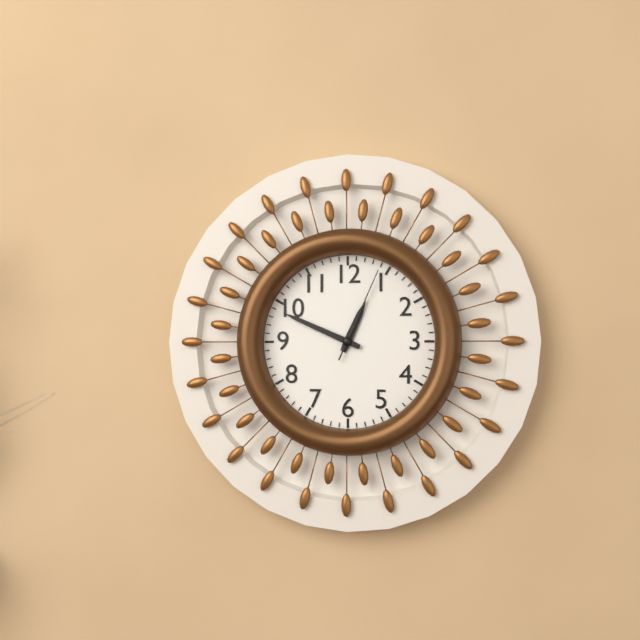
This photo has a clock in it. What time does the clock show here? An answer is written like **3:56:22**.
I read **12:49:04**
